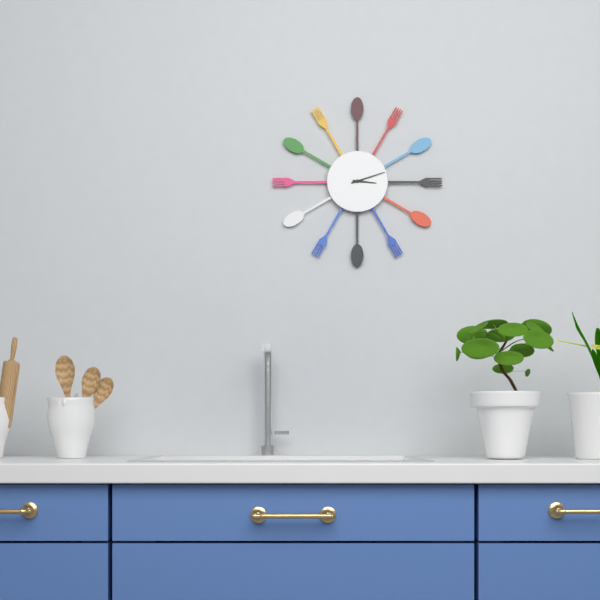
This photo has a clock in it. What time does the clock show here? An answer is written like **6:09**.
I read **3:12**
